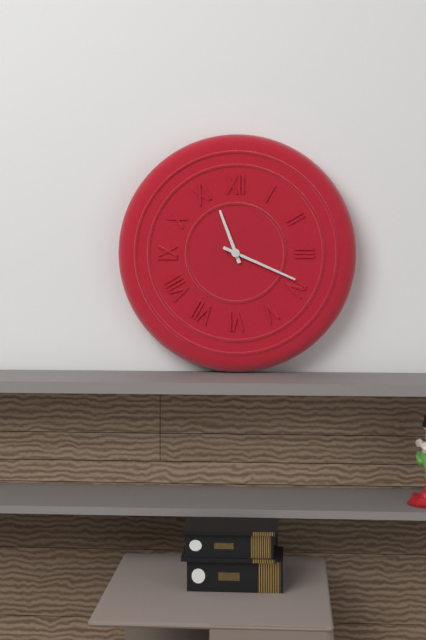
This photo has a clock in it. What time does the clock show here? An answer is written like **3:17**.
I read **11:19**
